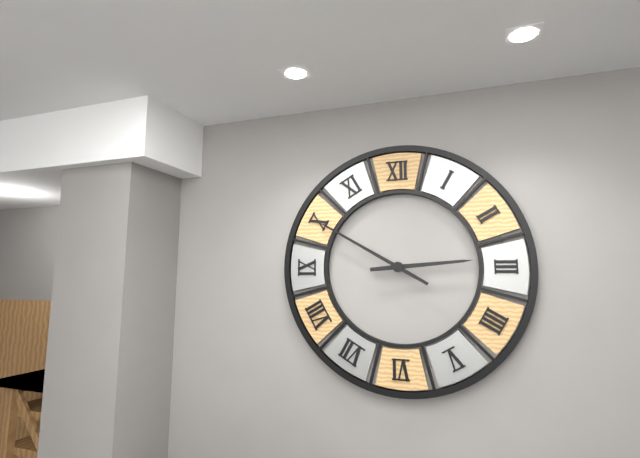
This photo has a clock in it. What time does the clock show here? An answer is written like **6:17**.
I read **2:50**
